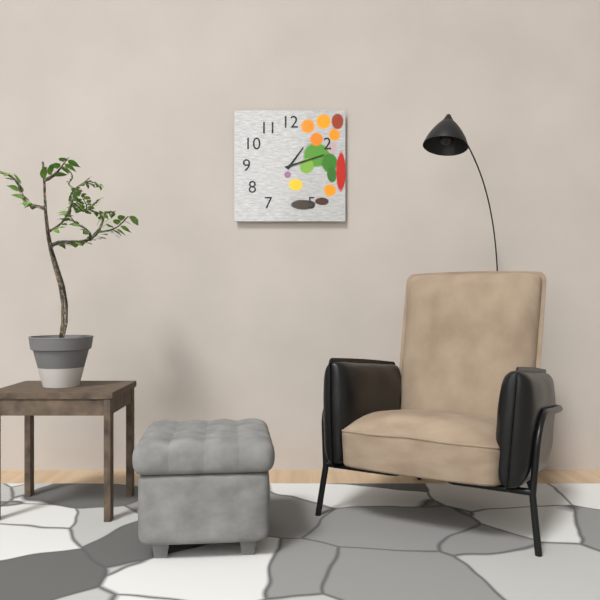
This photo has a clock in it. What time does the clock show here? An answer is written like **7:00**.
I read **1:12**
